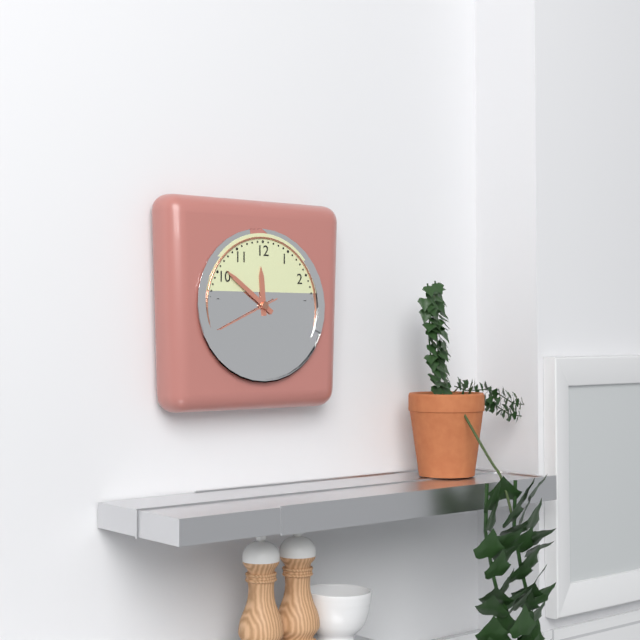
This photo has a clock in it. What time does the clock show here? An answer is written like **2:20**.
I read **11:51**
